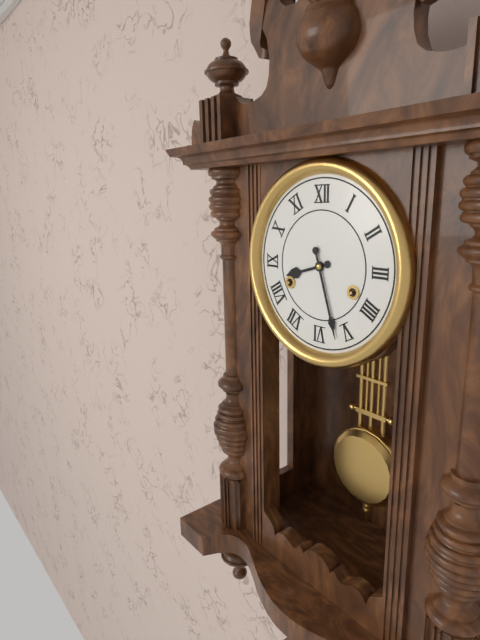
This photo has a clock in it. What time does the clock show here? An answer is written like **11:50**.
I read **8:27**
